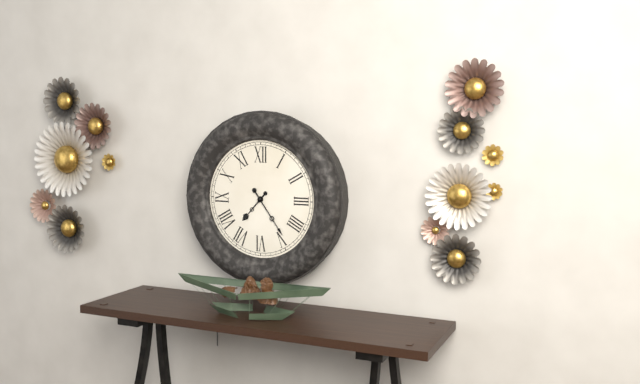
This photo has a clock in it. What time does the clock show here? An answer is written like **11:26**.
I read **7:24**
